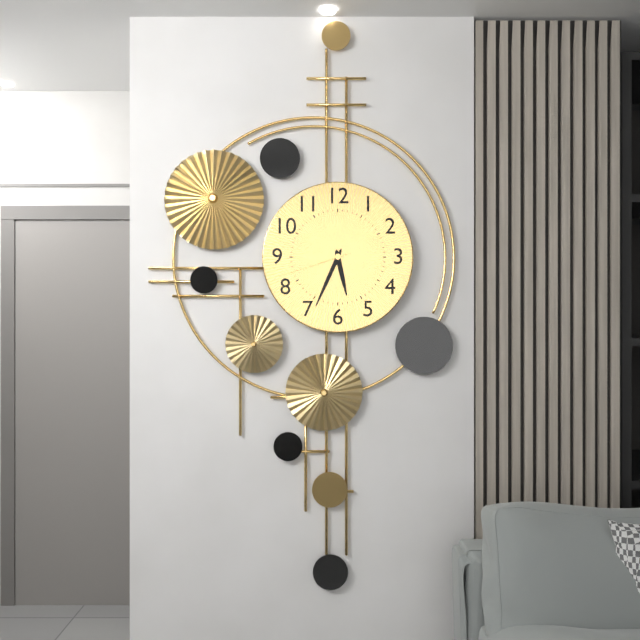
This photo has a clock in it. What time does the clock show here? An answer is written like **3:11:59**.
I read **5:34:42**
